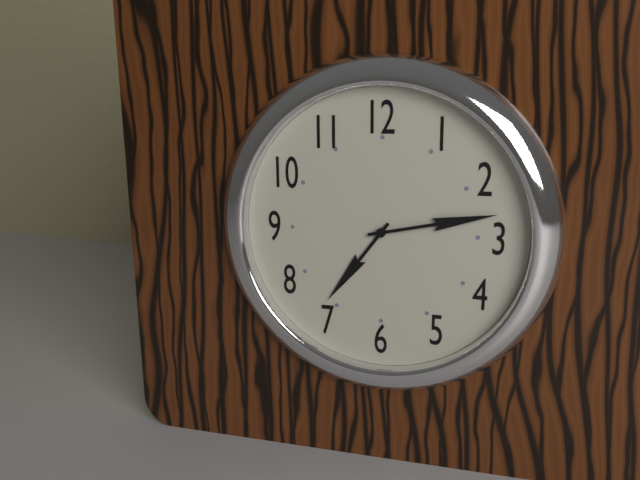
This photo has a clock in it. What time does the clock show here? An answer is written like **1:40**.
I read **7:13**
